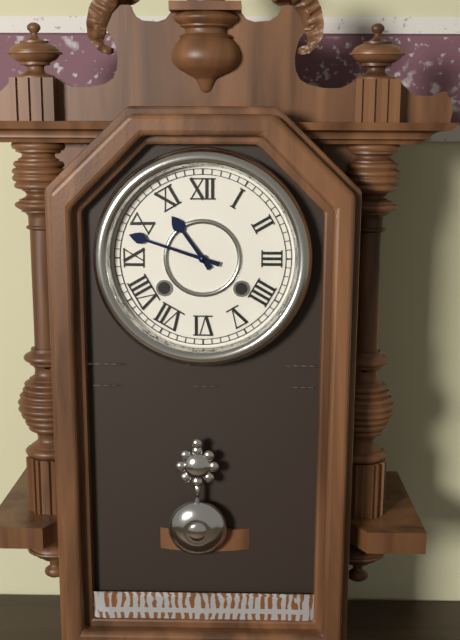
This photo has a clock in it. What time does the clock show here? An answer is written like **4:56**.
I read **10:48**
